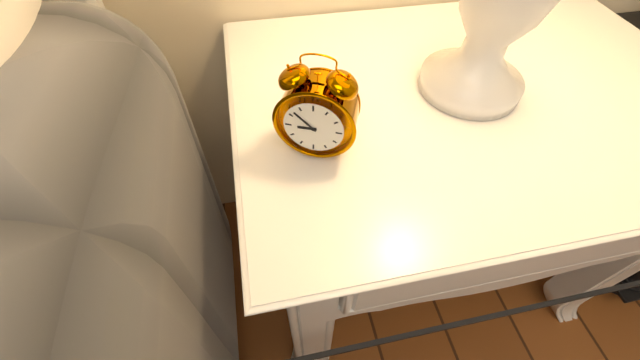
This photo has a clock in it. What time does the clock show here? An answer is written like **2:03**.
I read **8:52**
